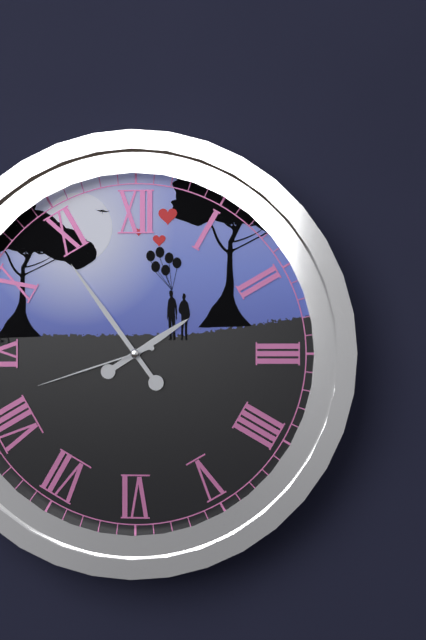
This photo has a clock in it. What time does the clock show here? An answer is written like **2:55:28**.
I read **1:54:42**
